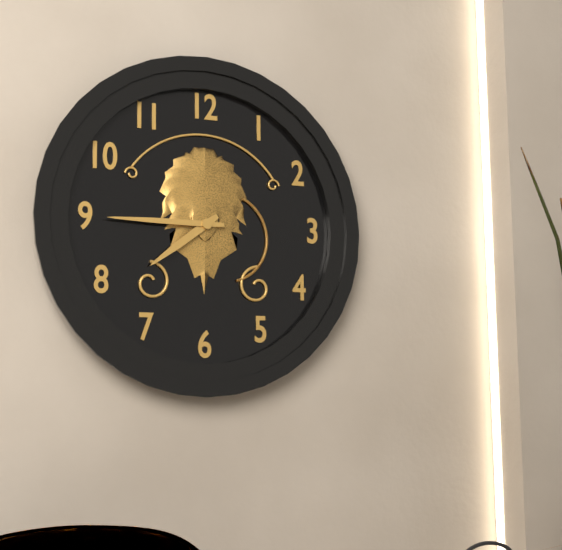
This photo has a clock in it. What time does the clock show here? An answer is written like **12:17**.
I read **7:45**
